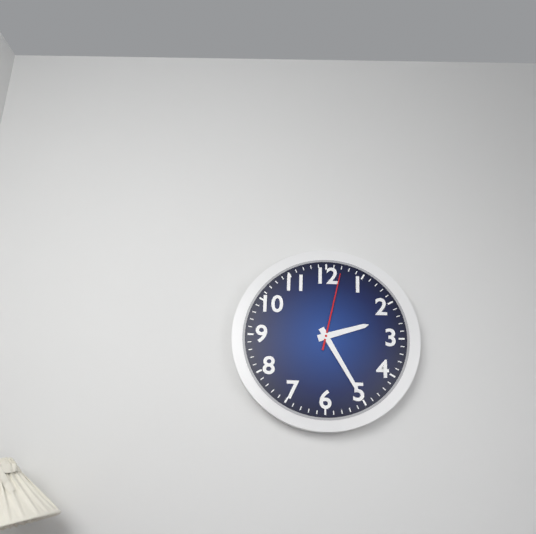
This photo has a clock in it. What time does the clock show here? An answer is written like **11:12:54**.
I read **2:25:02**
